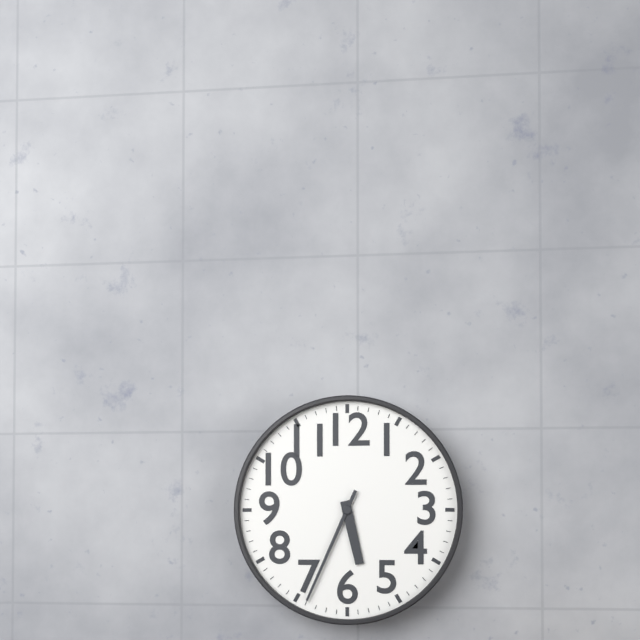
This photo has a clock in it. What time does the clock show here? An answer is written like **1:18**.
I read **5:34**
